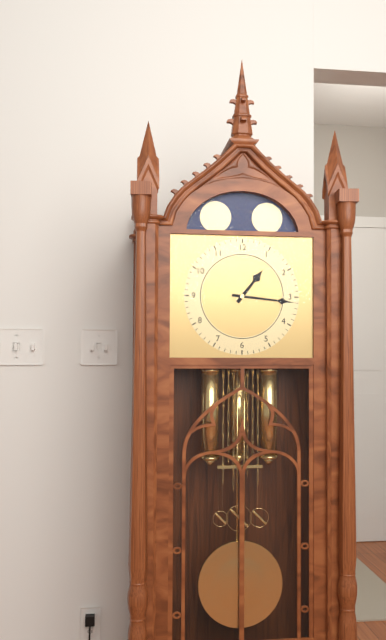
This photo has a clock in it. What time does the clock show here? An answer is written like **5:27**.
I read **1:16**
